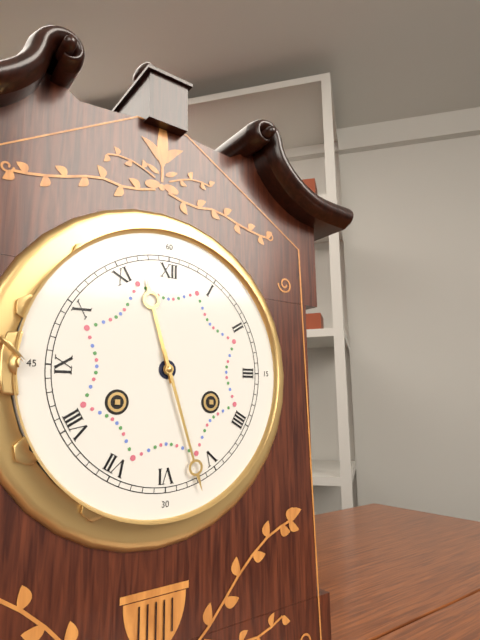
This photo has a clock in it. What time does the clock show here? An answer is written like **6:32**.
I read **11:27**
